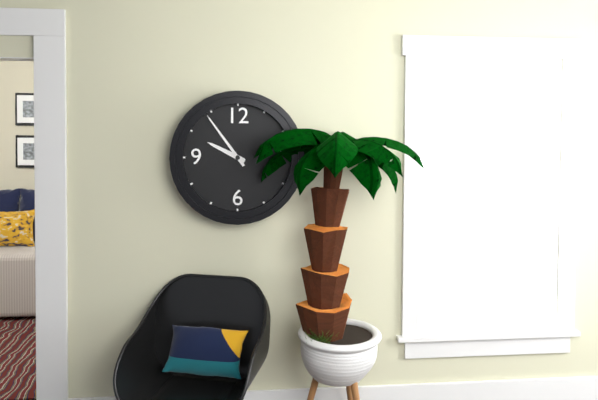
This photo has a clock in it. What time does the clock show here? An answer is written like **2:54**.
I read **9:54**
